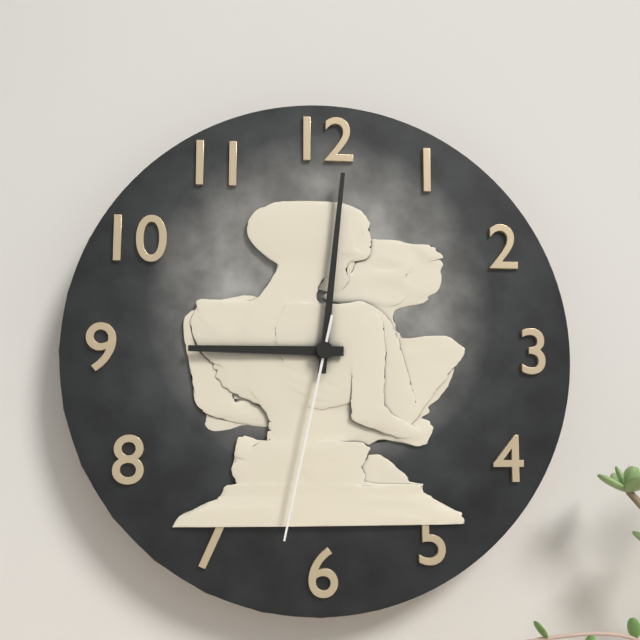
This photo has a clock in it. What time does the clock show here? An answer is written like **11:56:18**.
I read **9:01:32**
